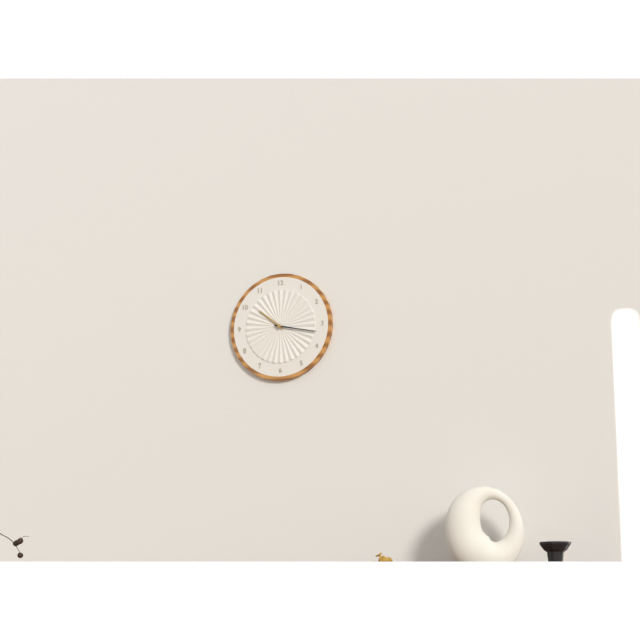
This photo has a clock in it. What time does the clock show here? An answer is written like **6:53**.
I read **10:17**
